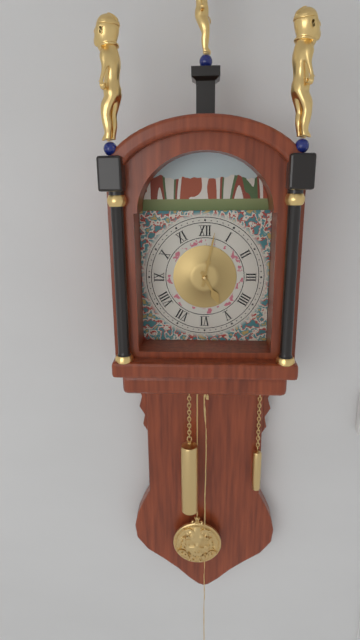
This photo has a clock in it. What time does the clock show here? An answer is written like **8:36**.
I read **5:02**
